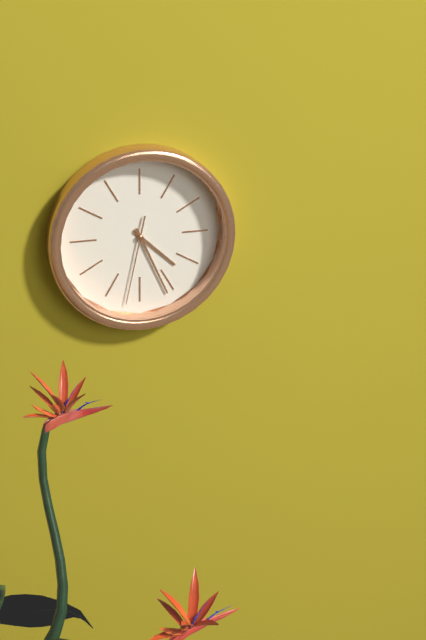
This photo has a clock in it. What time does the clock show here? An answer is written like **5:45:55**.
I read **4:26:32**
